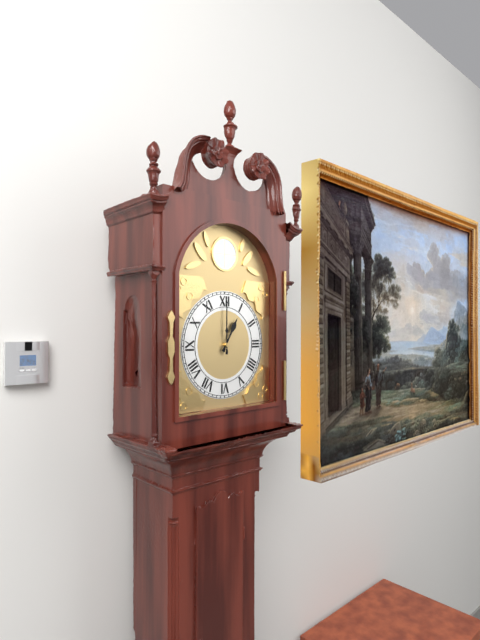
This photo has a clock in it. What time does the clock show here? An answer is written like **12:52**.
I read **1:00**
